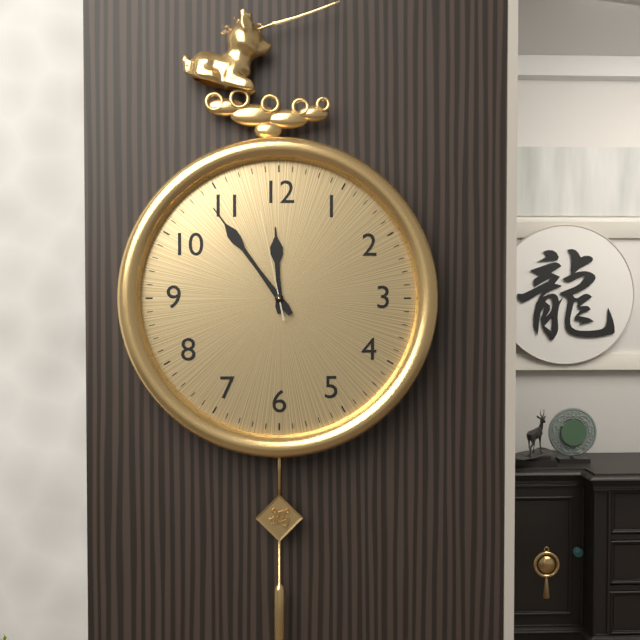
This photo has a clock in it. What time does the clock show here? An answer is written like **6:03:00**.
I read **11:54:58**
